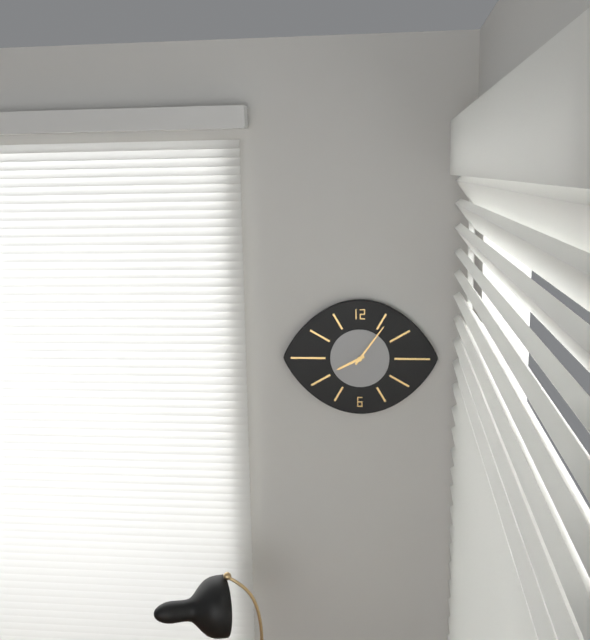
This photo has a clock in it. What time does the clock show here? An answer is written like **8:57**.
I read **8:06**
